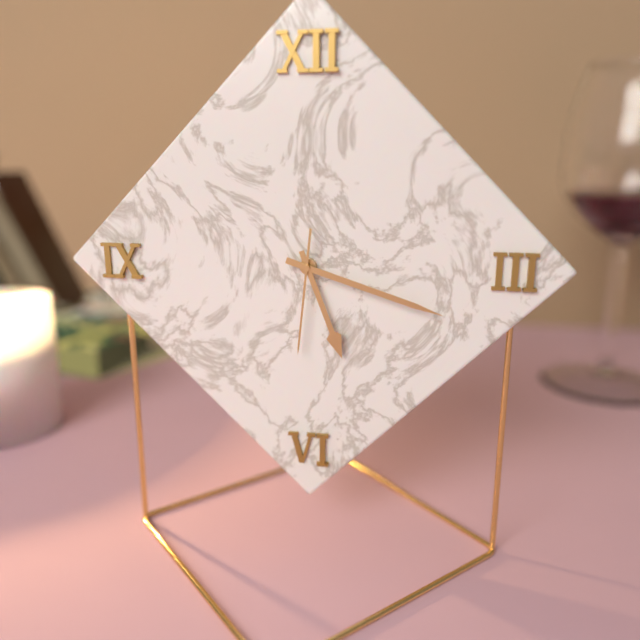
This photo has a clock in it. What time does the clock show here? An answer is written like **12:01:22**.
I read **5:18:31**
